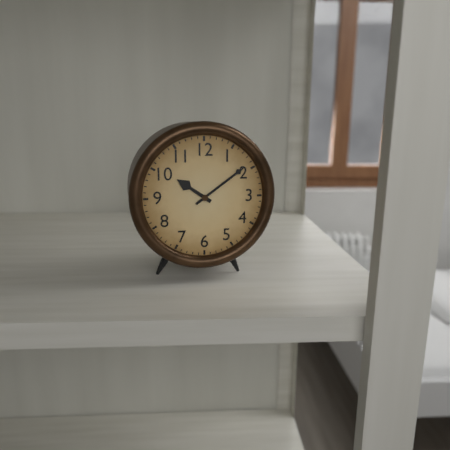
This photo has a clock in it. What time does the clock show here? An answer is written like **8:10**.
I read **10:09**
